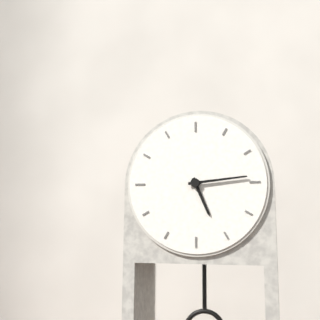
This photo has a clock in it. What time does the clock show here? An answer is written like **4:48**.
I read **5:14**
